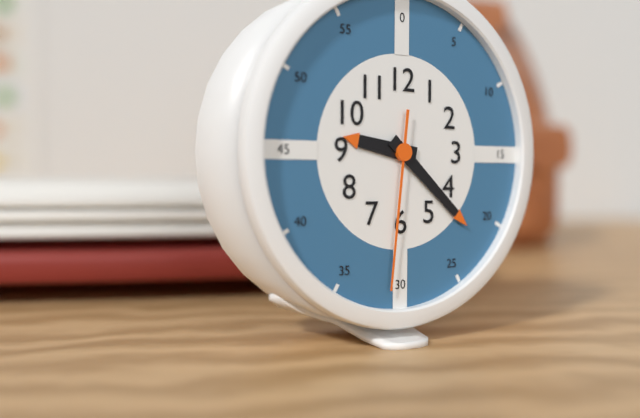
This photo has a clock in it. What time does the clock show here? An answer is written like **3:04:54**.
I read **9:22:31**
